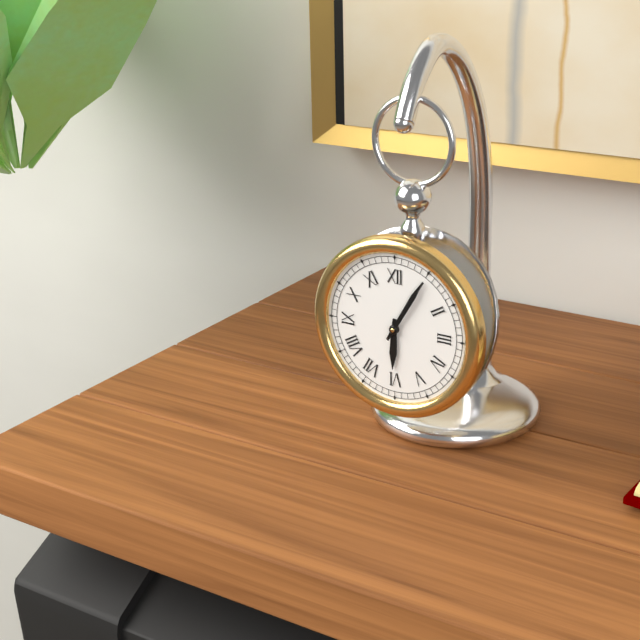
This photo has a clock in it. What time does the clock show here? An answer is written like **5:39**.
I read **6:05**
